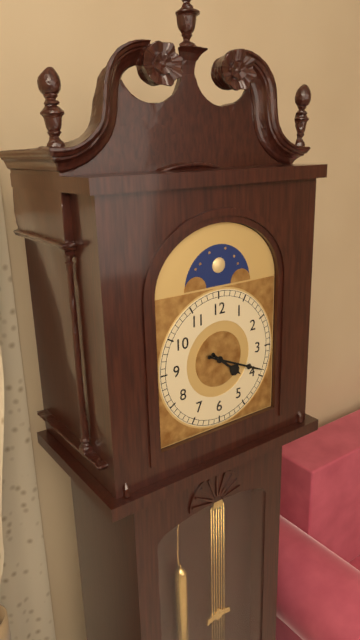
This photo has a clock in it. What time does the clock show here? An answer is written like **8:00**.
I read **4:19**
